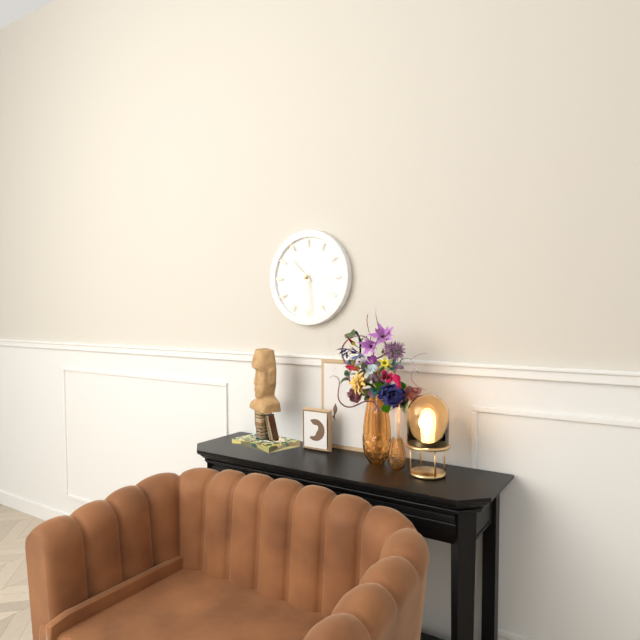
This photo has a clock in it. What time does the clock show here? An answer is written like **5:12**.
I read **10:29**
